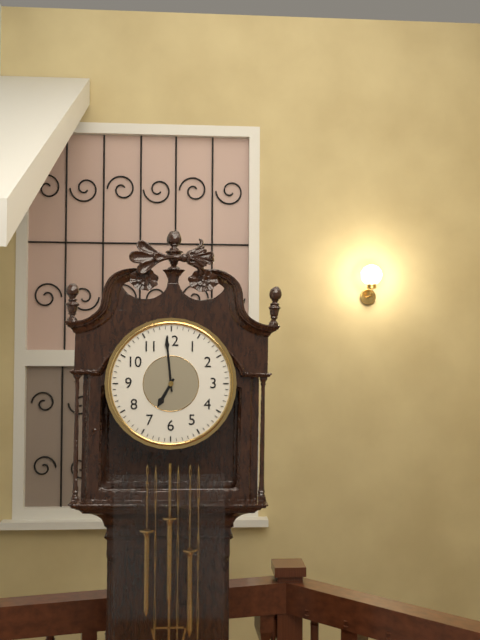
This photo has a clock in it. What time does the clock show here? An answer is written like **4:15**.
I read **6:59**
